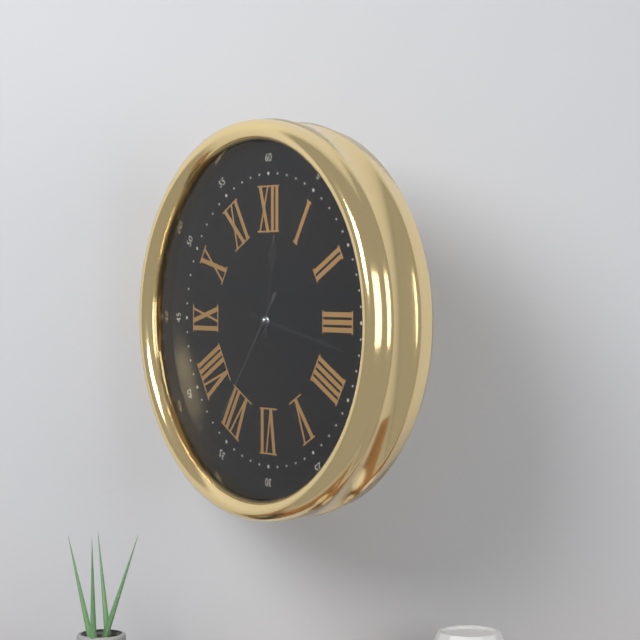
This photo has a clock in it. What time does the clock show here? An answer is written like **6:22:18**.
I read **12:17:36**
